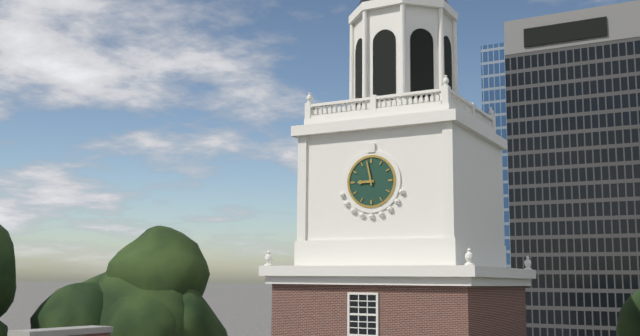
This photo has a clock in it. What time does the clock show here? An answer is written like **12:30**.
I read **8:58**
